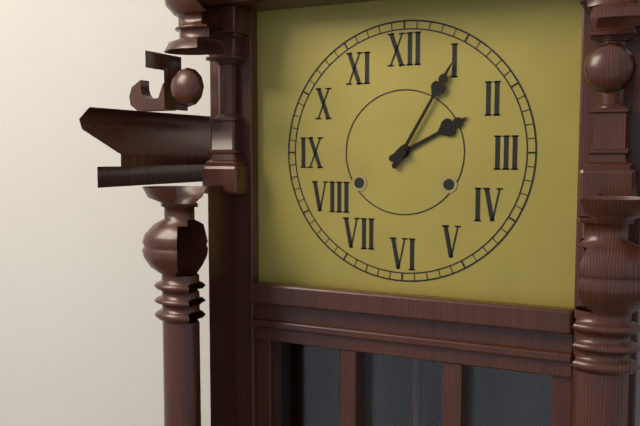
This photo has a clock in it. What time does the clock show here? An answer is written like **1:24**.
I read **2:05**
